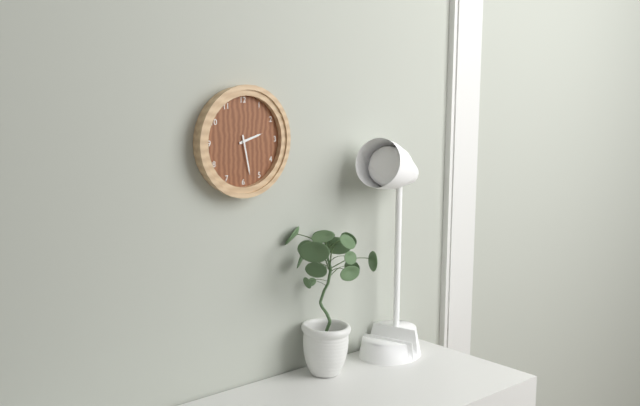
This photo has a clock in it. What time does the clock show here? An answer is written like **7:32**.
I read **2:28**
